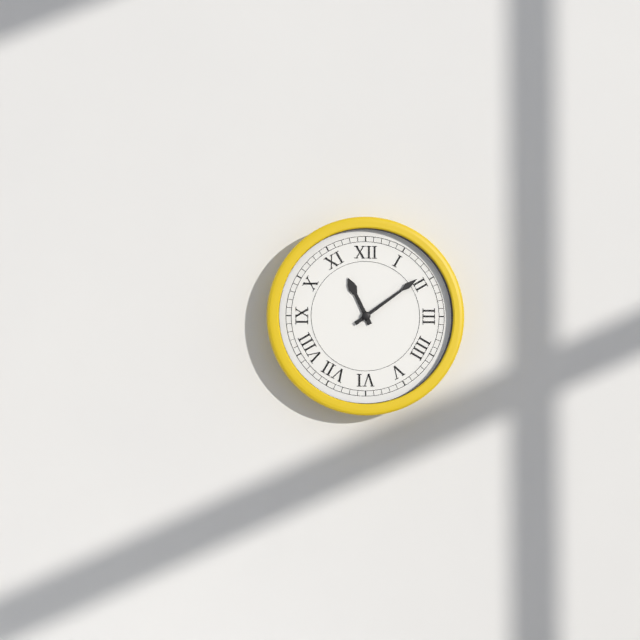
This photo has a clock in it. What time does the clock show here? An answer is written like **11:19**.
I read **11:09**
